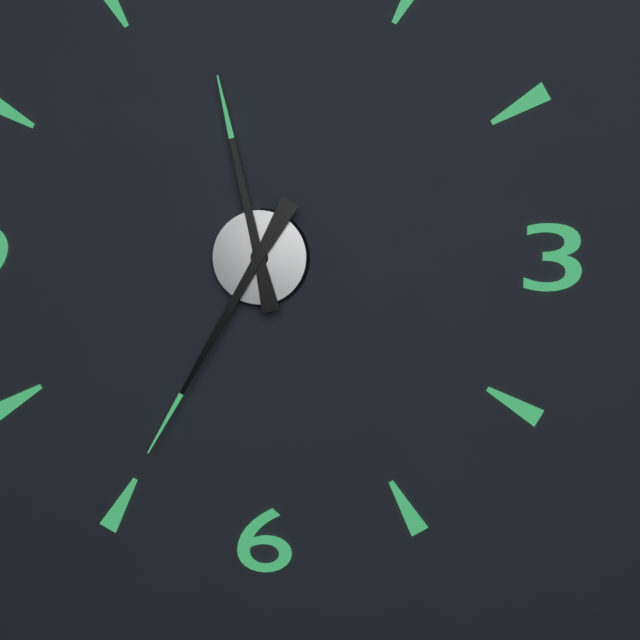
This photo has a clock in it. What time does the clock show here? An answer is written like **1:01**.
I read **11:35**
